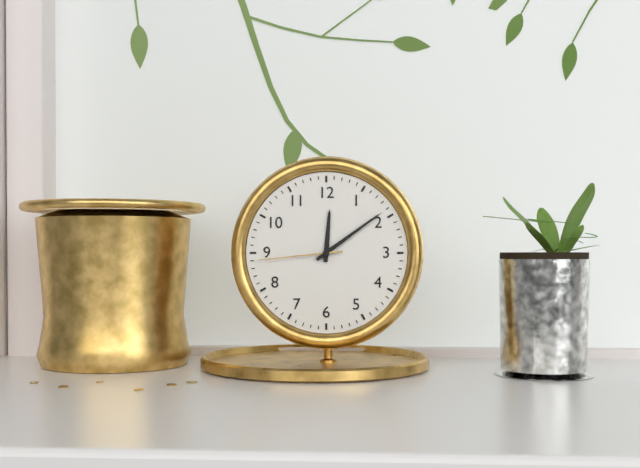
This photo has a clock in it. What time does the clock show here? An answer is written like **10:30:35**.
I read **12:09:44**
